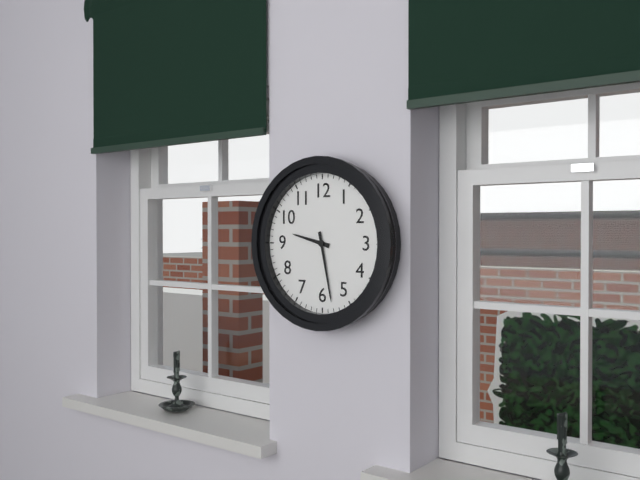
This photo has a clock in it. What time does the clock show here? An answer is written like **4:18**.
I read **9:28**
